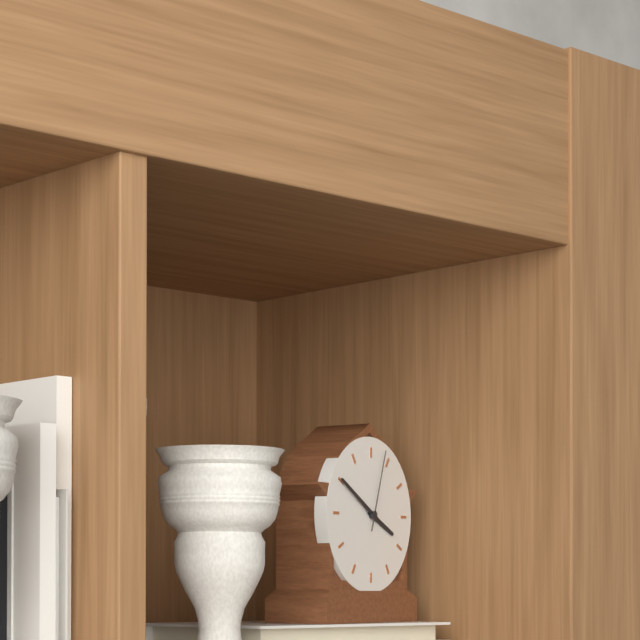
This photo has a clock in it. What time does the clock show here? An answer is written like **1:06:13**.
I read **3:50:03**
